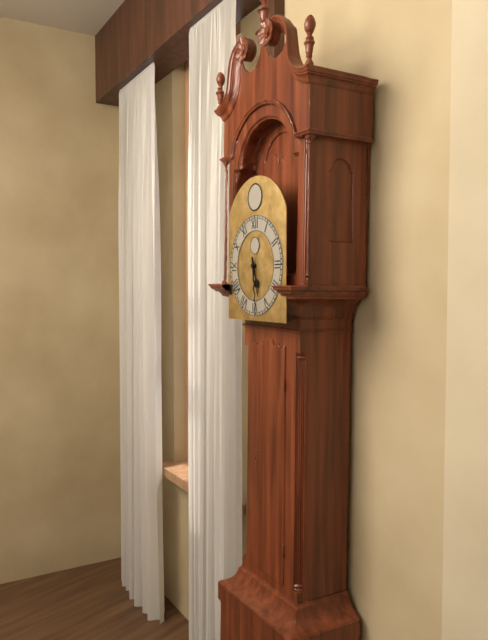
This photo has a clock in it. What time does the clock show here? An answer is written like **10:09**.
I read **5:29**
